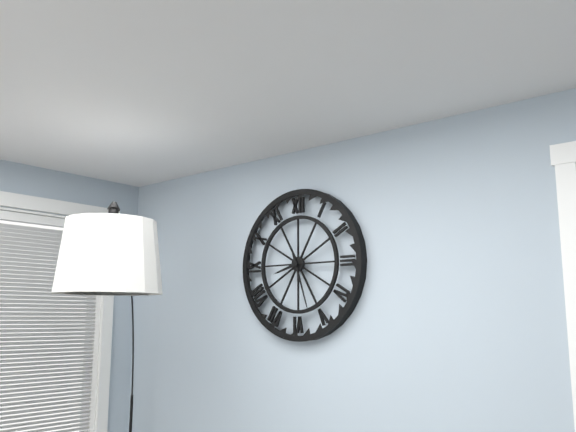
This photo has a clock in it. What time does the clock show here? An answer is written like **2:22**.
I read **8:27**
